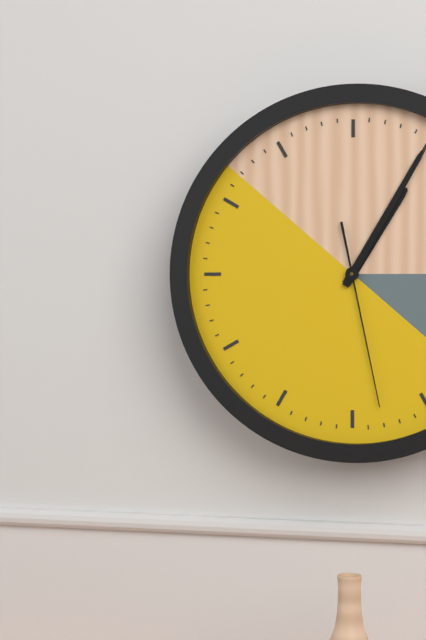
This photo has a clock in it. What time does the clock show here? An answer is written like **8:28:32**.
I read **1:05:28**
